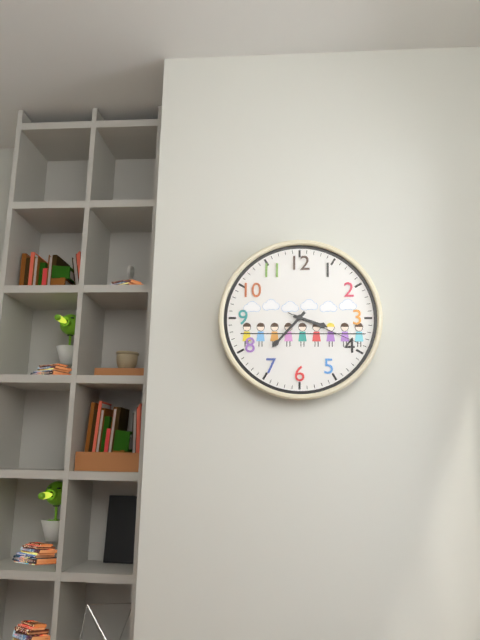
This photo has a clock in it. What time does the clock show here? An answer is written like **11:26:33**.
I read **3:37:19**
